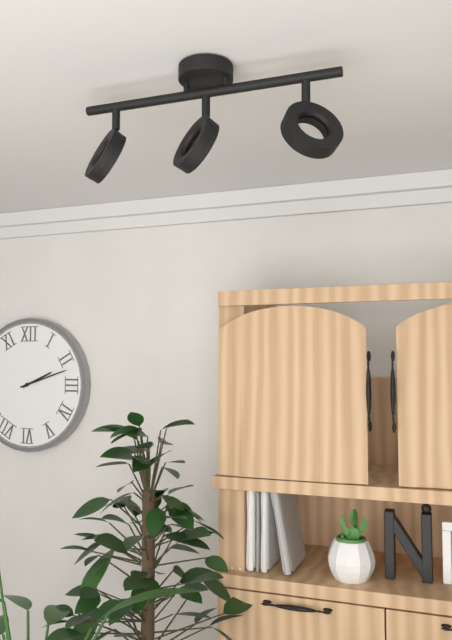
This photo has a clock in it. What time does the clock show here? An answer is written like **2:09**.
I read **2:12**
